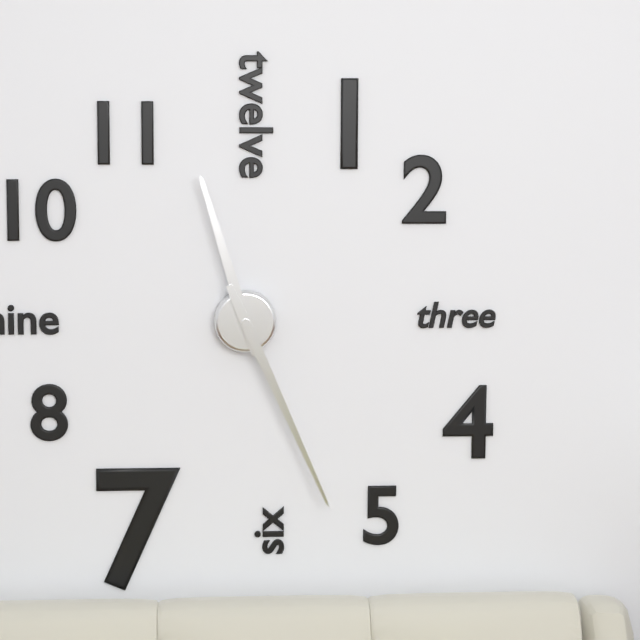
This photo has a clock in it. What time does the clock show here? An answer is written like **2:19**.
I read **11:26**
